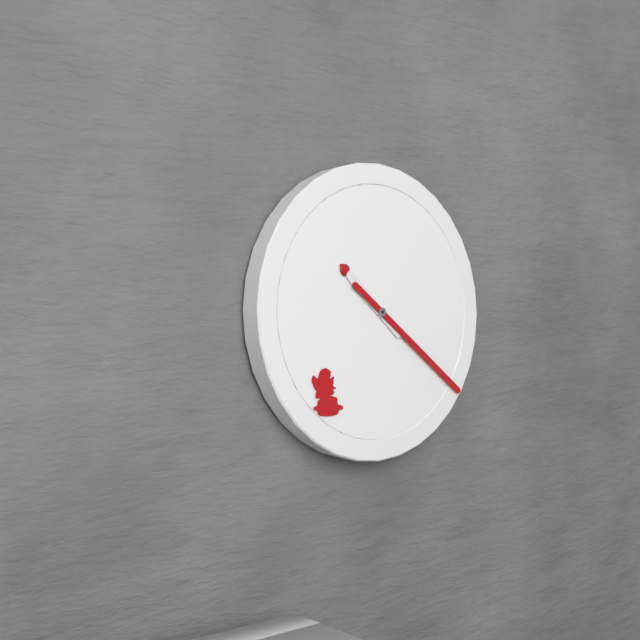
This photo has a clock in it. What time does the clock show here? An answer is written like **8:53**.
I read **10:21**
